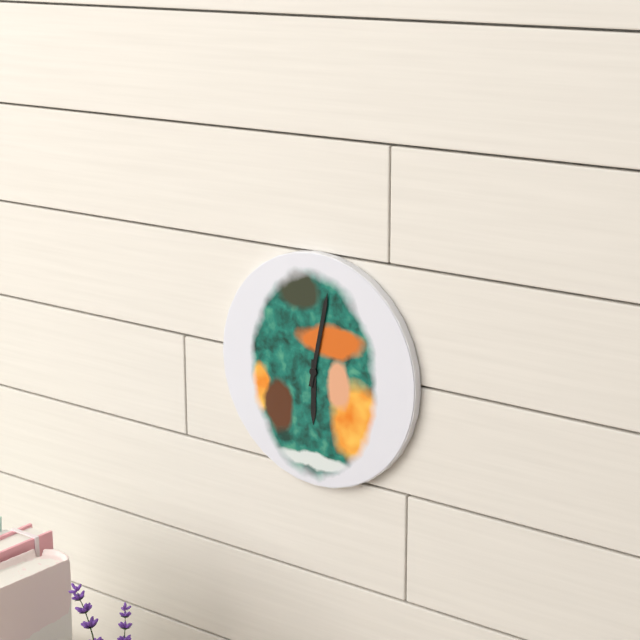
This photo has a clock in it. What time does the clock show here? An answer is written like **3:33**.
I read **6:02**
